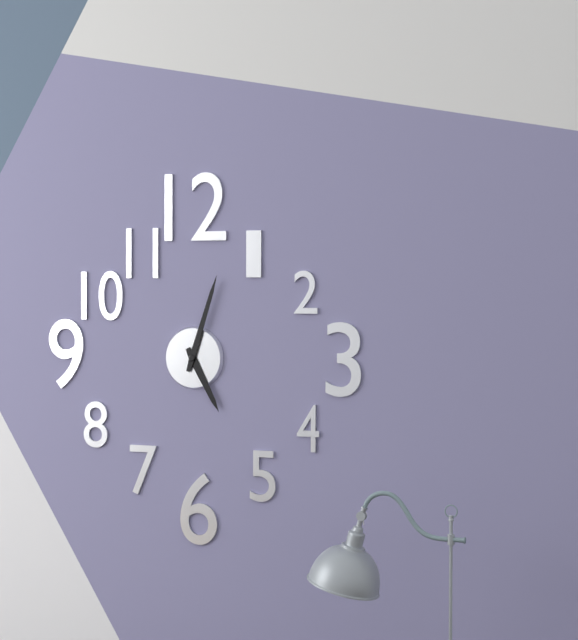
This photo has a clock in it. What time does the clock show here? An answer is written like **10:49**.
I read **5:03**
